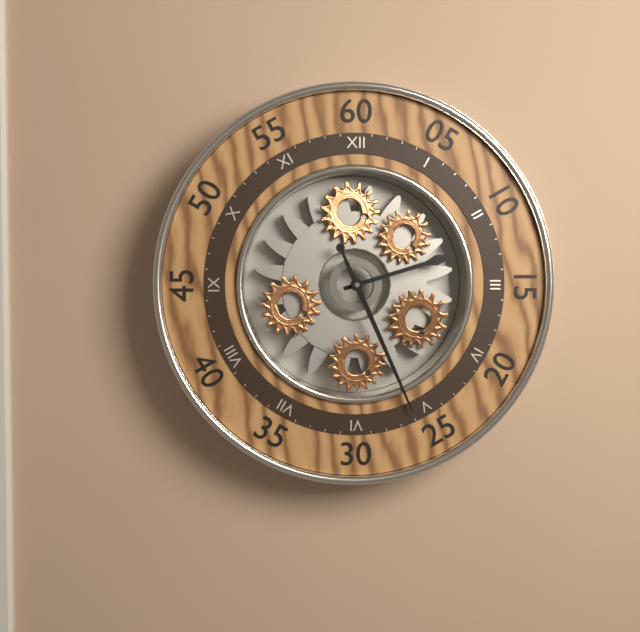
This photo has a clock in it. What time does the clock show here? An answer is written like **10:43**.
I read **2:26**
